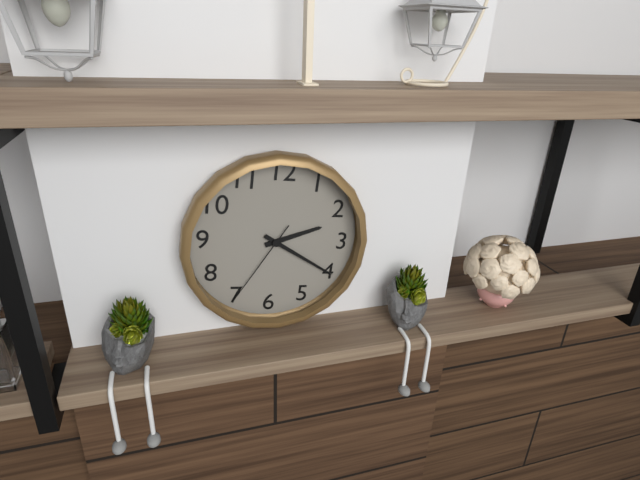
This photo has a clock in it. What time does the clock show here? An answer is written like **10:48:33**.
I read **2:20:35**
